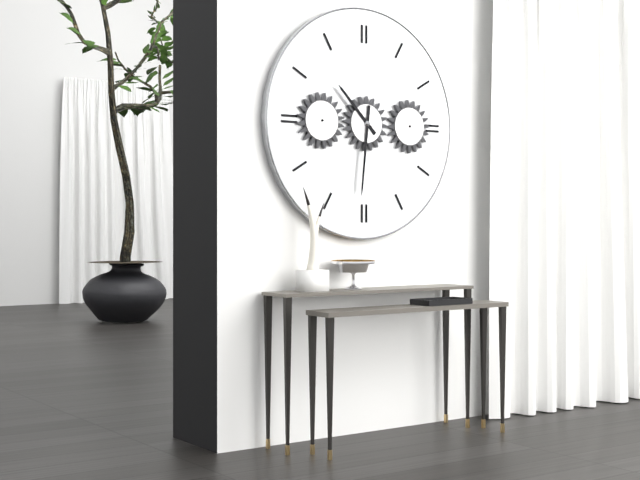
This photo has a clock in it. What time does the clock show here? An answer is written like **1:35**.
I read **10:31**
